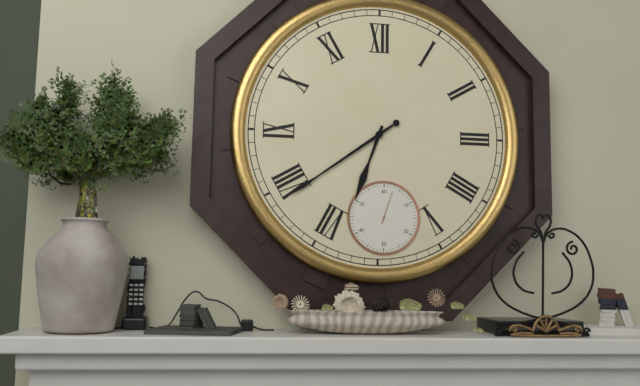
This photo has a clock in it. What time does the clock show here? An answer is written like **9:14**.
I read **6:39**
